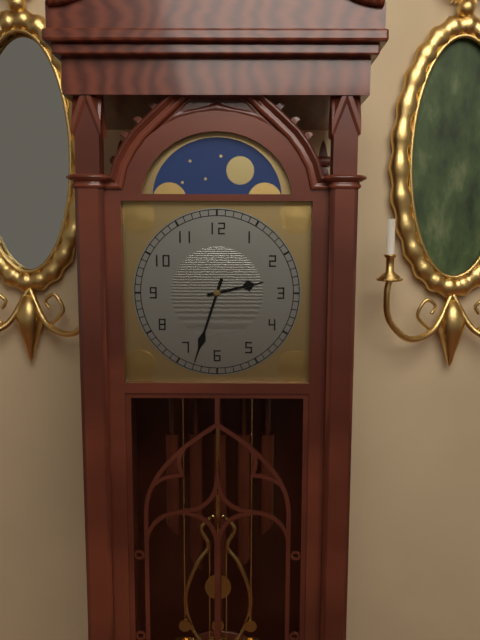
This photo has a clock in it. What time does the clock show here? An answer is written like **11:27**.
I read **2:33**
